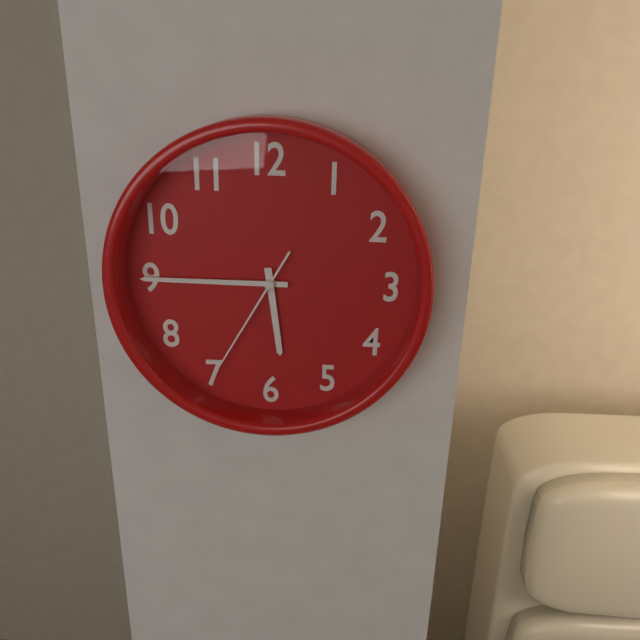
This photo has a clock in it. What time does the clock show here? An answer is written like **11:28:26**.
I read **5:45:35**
